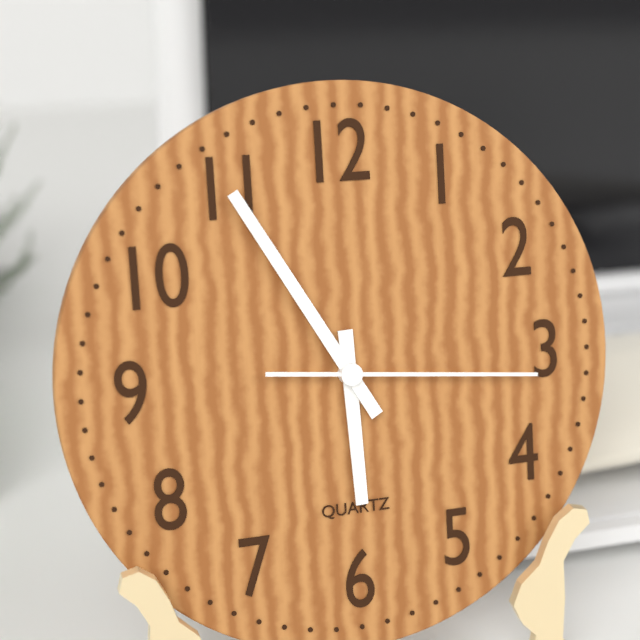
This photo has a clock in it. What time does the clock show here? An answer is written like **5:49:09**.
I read **5:55:16**
